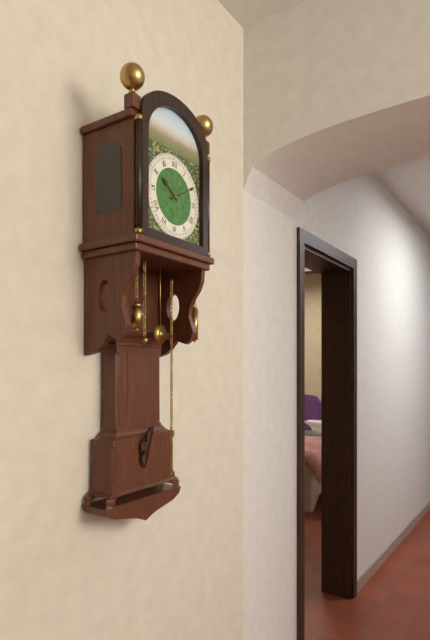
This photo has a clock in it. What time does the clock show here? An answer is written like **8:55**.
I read **10:10**
